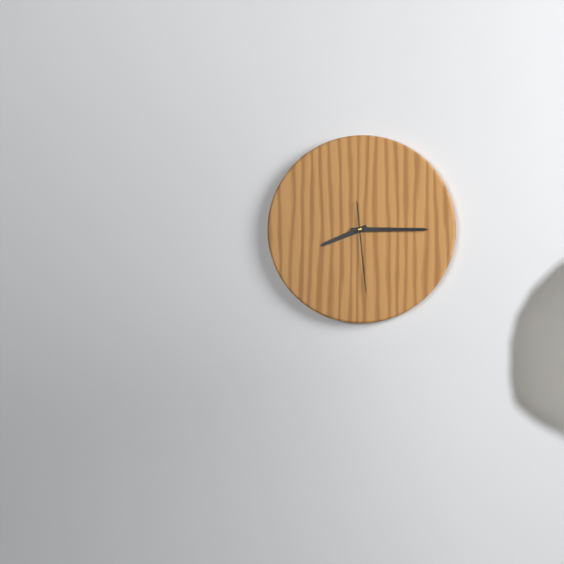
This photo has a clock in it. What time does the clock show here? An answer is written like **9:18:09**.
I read **8:15:29**
